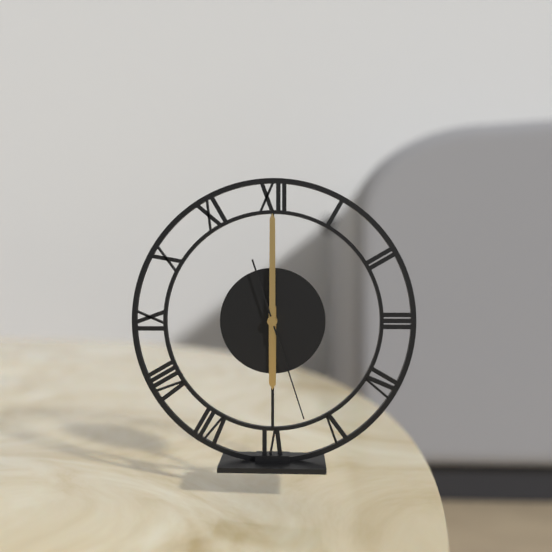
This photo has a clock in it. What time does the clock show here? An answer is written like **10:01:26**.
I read **6:00:27**
